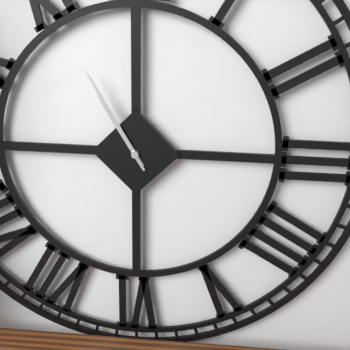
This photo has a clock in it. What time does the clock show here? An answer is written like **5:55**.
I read **10:55**
